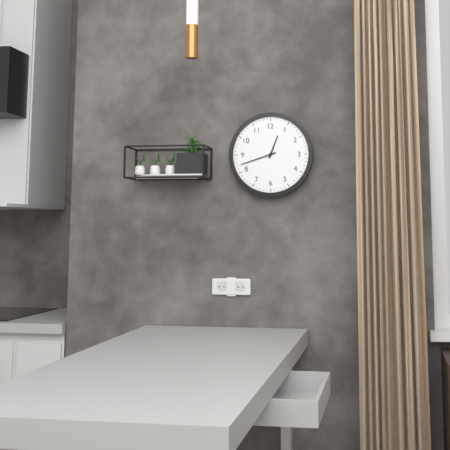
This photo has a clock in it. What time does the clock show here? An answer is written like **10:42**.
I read **12:42**
